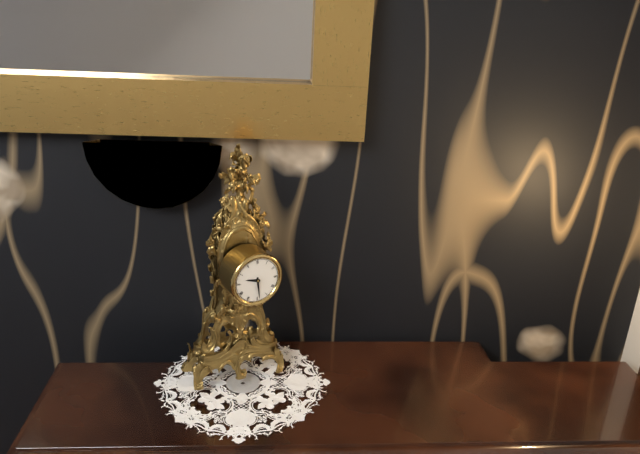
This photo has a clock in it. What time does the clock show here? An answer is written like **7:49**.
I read **9:29**
